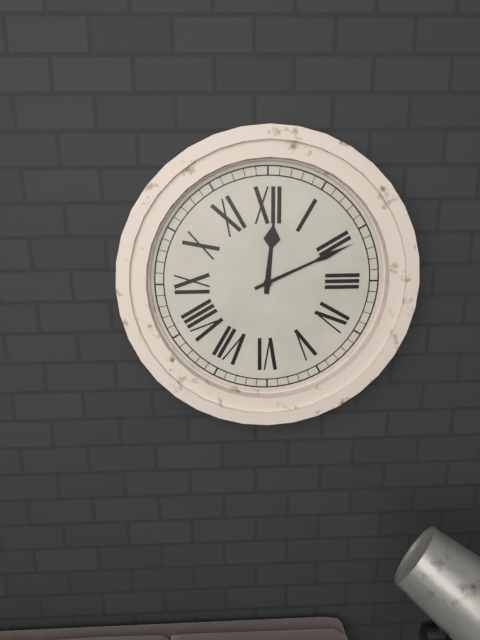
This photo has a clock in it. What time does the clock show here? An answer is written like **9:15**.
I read **12:11**
